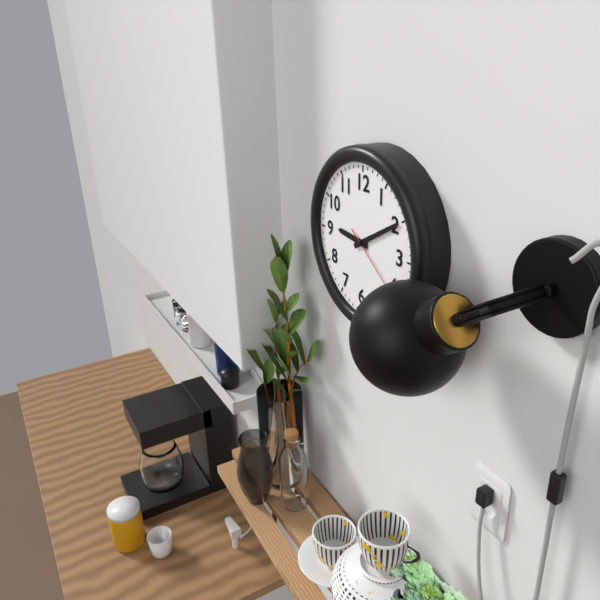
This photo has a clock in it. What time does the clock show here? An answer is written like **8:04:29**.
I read **9:10:21**
